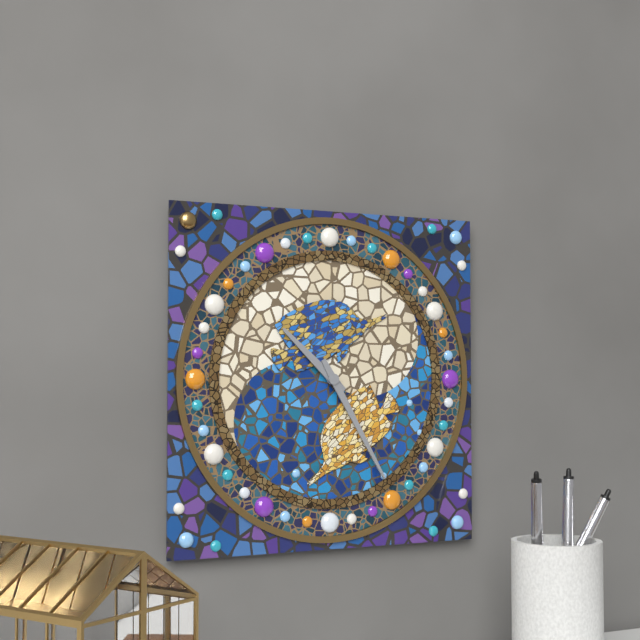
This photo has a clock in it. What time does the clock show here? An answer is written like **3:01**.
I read **10:25**
